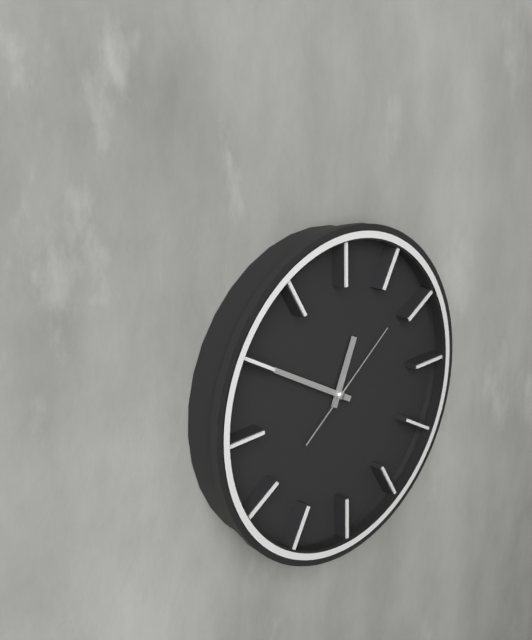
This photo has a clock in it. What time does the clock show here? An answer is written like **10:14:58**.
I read **12:50:09**
